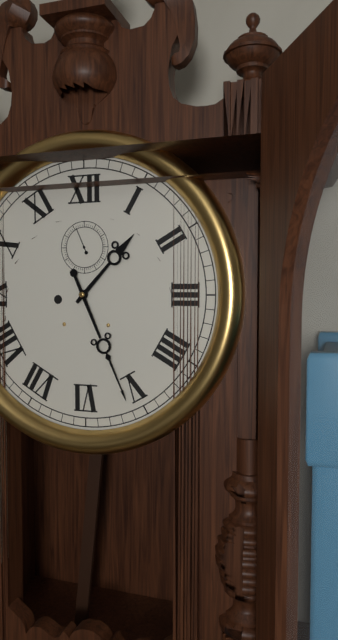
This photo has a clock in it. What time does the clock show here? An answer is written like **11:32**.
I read **1:26**
